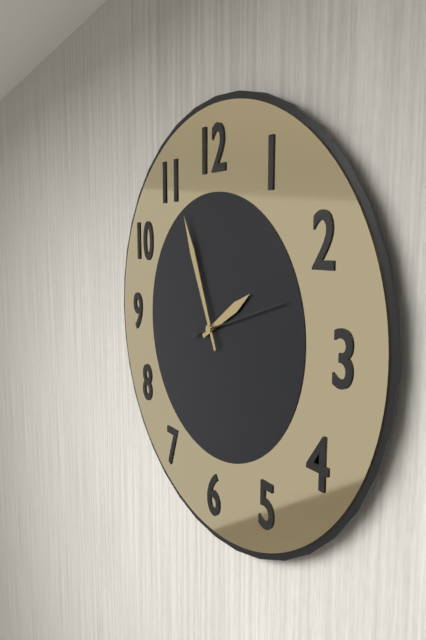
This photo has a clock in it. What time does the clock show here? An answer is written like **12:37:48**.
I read **1:56:12**
